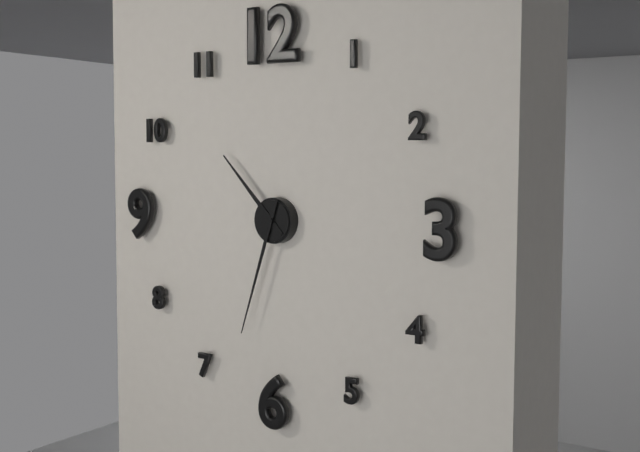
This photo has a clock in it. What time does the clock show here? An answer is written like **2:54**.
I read **10:33**
